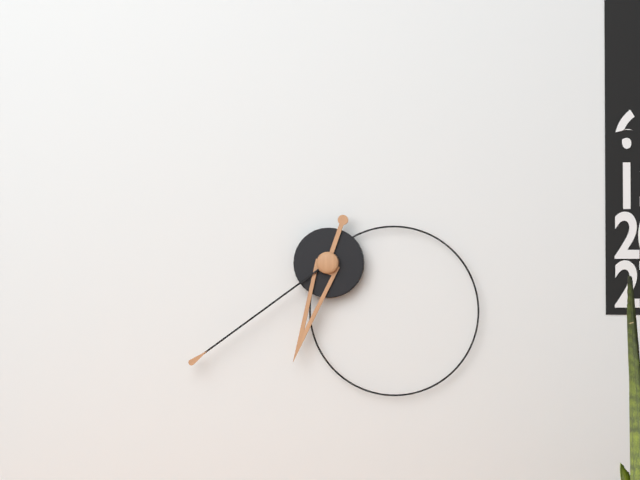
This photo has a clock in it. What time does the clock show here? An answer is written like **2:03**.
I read **6:39**
